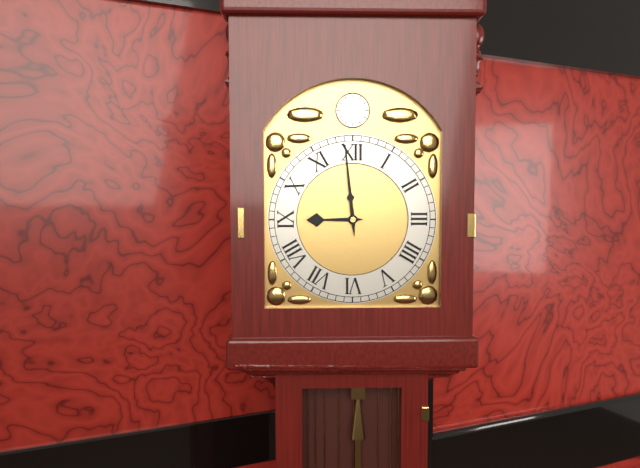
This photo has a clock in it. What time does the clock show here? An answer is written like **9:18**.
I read **8:59**
